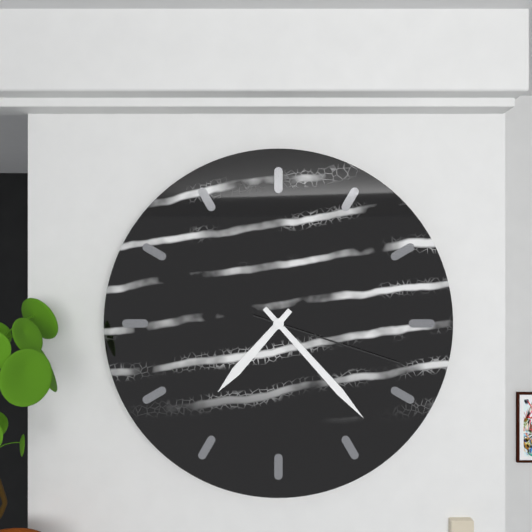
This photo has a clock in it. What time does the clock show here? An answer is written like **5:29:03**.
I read **7:23:18**
